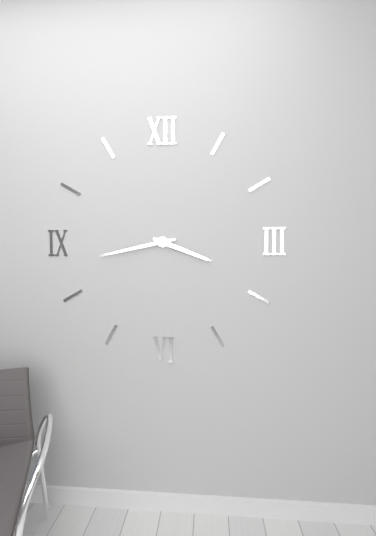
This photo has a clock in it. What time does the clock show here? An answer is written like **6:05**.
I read **3:43**
